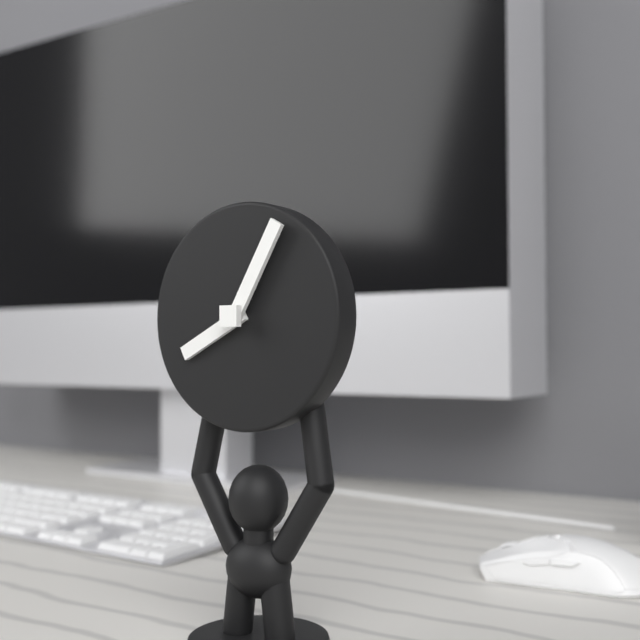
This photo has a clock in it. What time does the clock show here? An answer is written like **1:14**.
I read **8:05**
